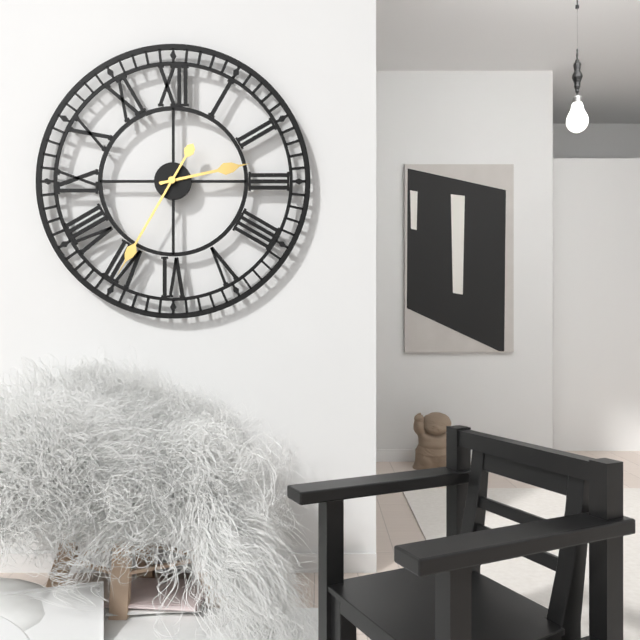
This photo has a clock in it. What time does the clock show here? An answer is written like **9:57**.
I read **2:35**
